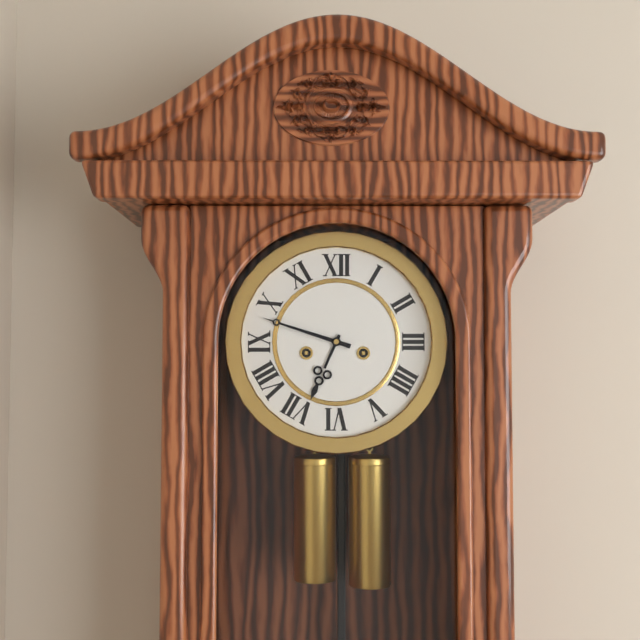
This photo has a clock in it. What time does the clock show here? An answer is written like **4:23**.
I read **6:48**
